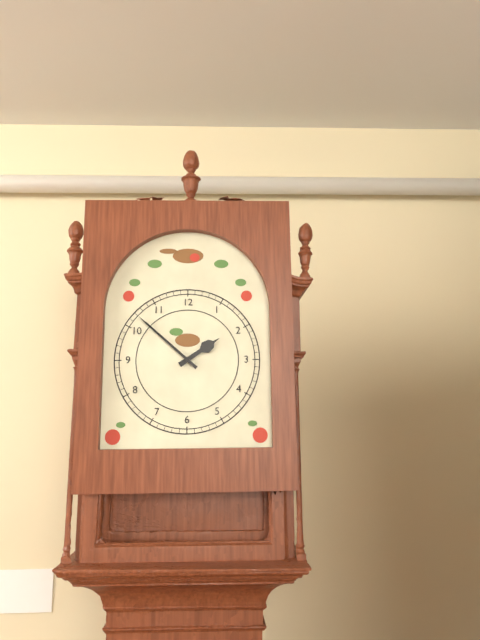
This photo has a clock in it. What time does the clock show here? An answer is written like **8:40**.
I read **1:52**
